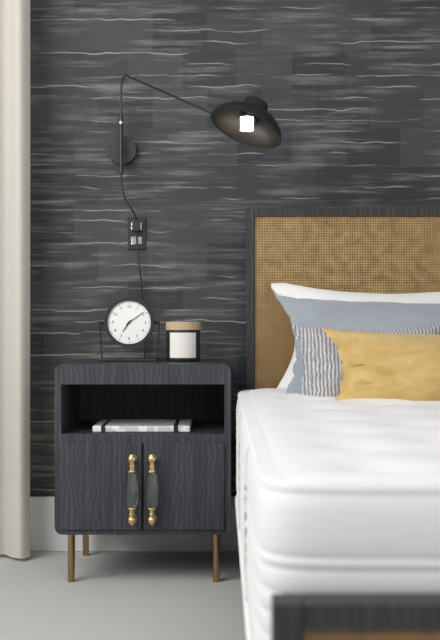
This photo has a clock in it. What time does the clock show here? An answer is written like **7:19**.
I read **7:09**
